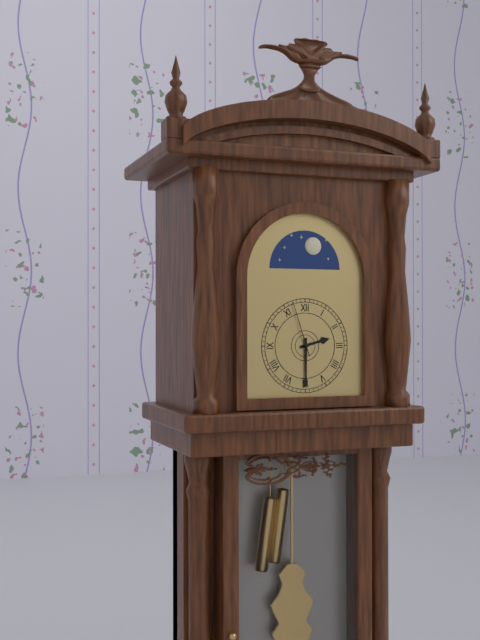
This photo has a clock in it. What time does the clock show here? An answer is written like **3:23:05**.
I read **2:30:57**
